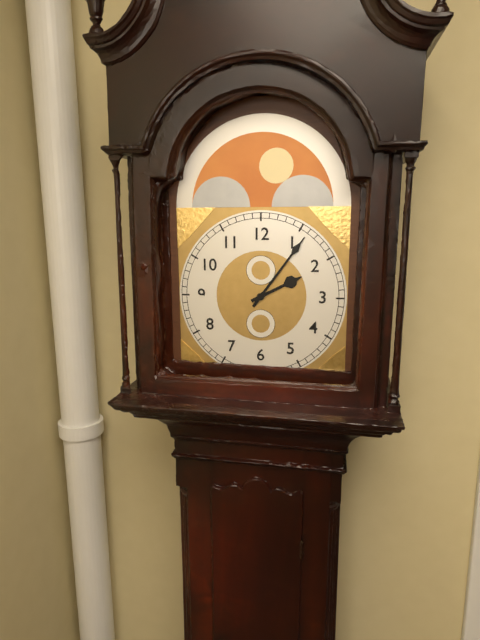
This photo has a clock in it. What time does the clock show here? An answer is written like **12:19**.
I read **2:06**
